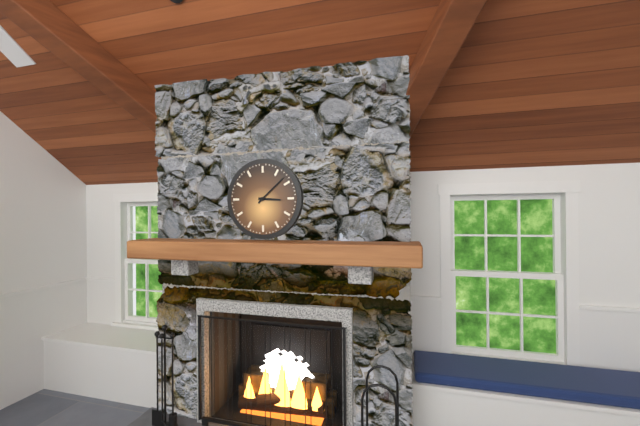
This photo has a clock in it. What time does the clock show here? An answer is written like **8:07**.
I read **3:08**
